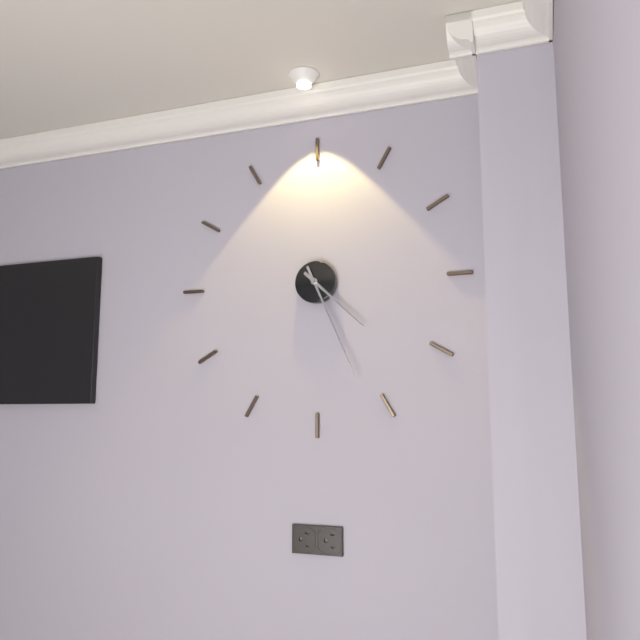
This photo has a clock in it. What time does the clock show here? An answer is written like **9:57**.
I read **4:26**
